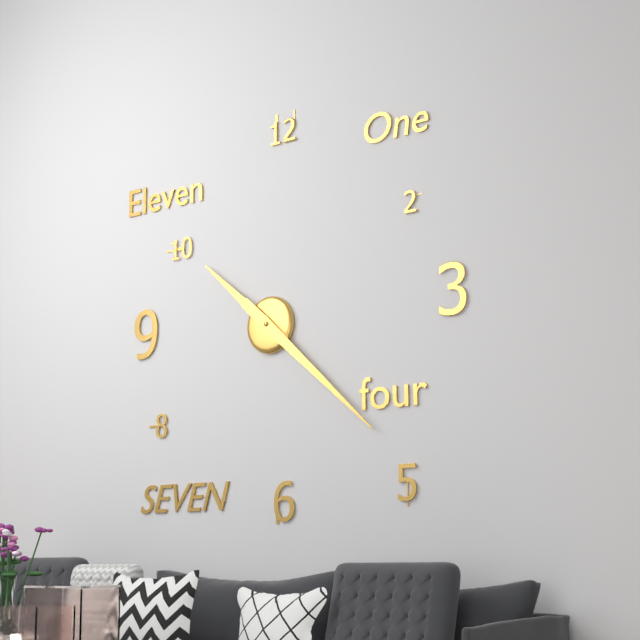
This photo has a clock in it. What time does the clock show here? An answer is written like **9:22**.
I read **10:22**
